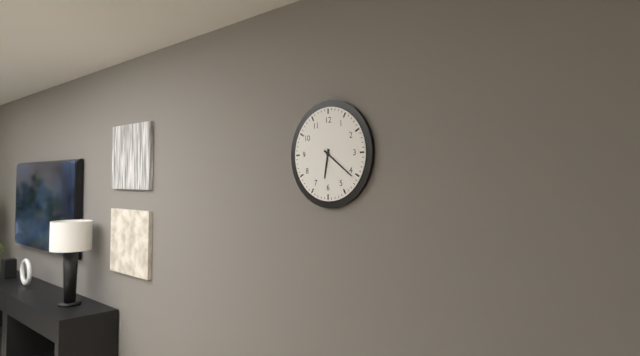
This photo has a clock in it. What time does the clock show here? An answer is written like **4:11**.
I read **6:21**
